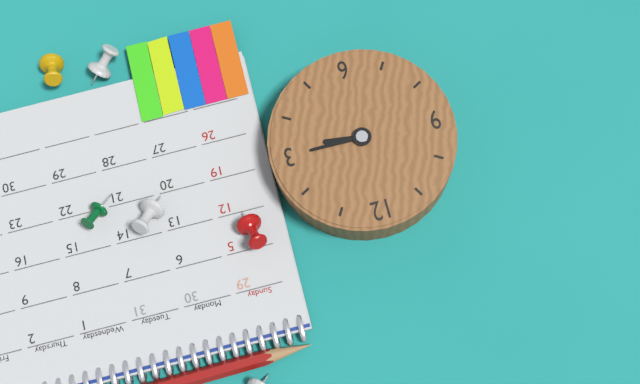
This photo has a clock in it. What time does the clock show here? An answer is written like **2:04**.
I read **3:15**
